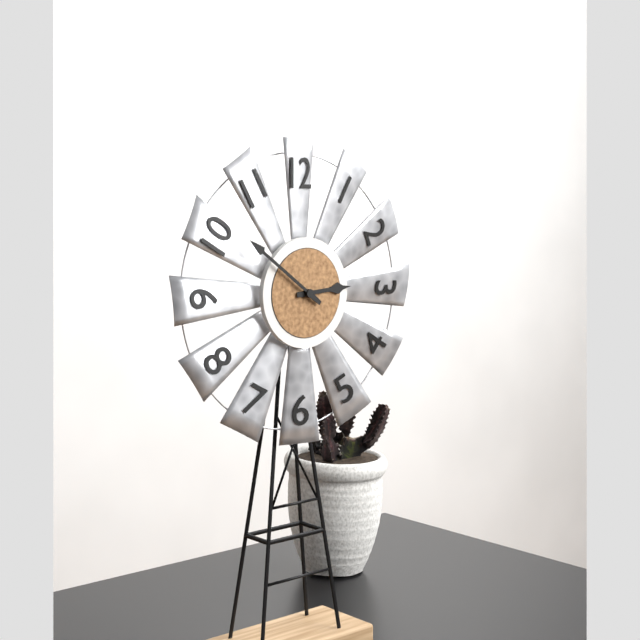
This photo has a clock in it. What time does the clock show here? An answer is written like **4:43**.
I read **2:51**
